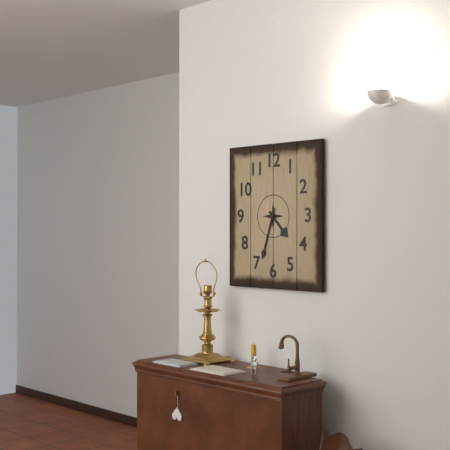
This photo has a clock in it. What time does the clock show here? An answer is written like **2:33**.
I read **4:33**
